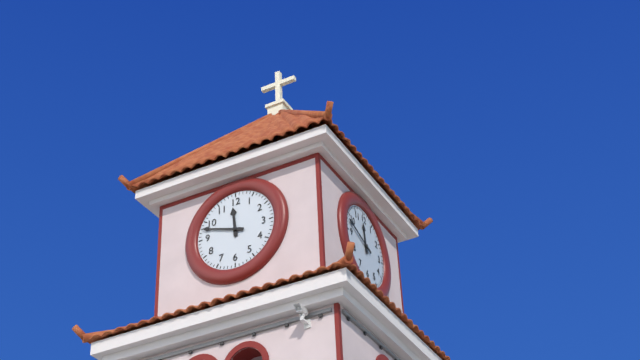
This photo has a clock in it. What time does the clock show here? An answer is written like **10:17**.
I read **11:48**
